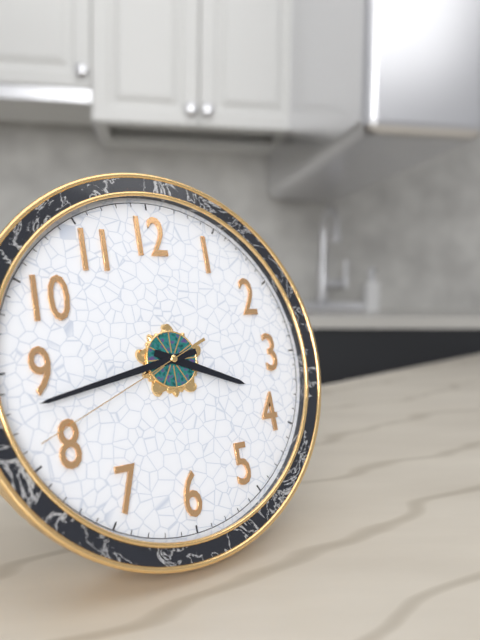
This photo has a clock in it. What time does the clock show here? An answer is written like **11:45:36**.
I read **3:43:41**
